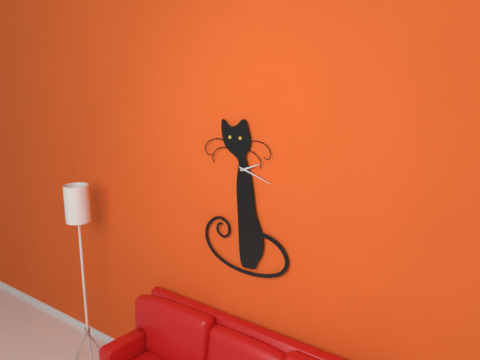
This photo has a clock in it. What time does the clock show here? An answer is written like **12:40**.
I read **2:18**
